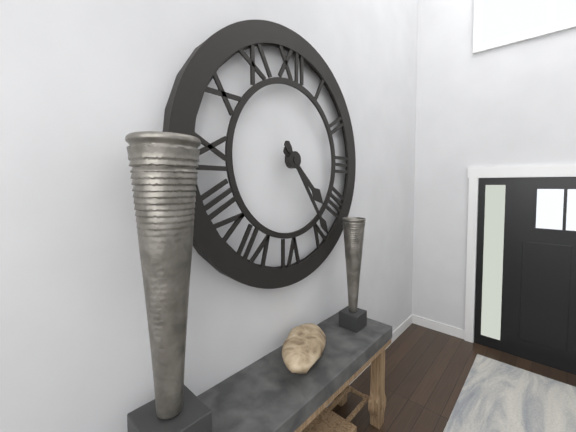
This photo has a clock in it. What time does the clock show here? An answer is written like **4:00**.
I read **4:24**
